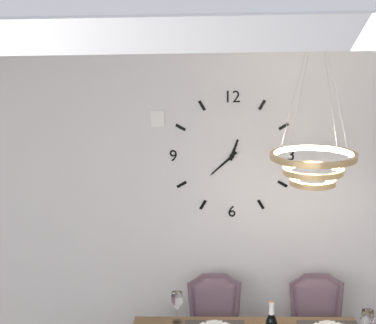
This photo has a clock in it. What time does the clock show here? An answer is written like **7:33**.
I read **12:38**
